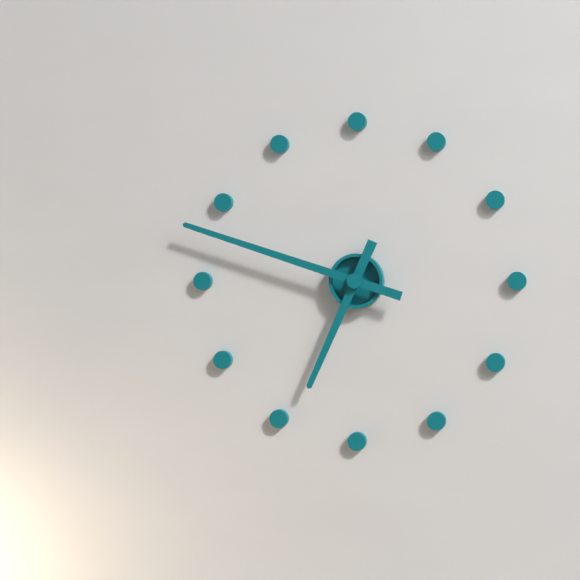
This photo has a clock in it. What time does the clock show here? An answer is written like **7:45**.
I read **6:48**
